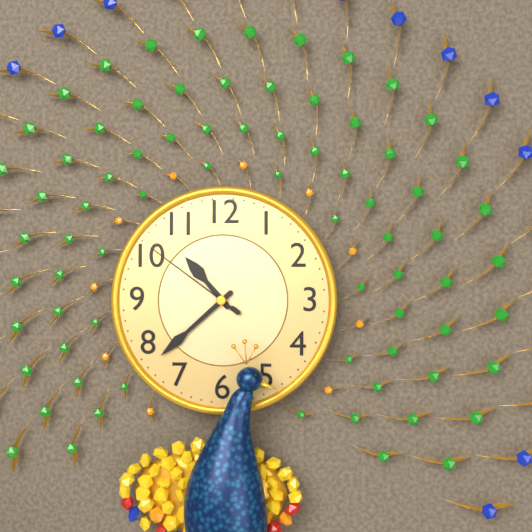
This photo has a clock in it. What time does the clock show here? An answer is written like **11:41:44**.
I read **10:38:51**
